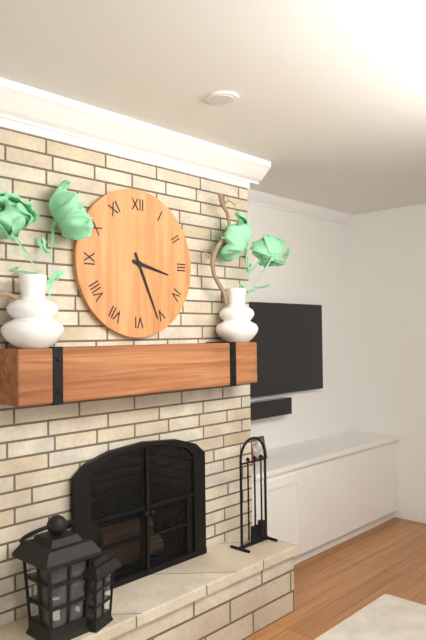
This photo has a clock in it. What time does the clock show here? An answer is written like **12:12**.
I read **3:26**
